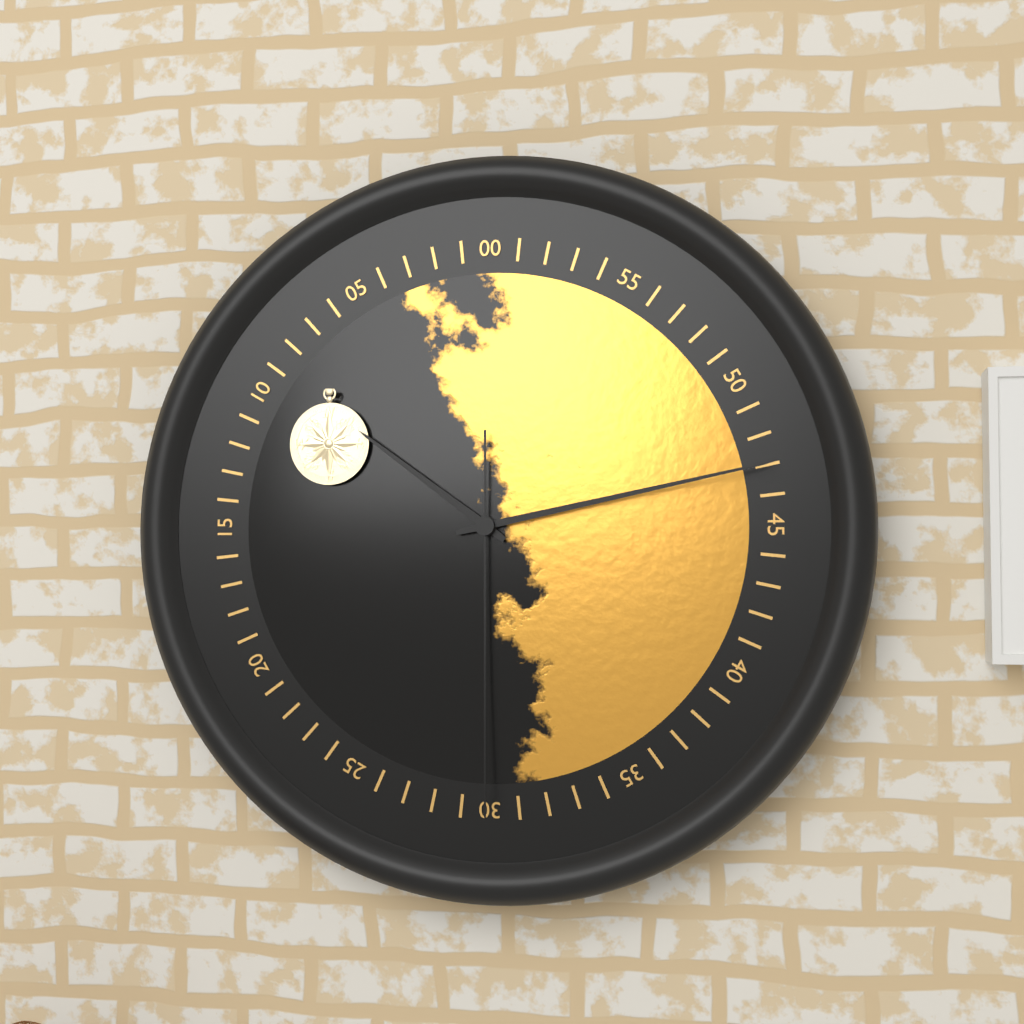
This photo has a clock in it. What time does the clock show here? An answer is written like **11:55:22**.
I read **10:13:30**
